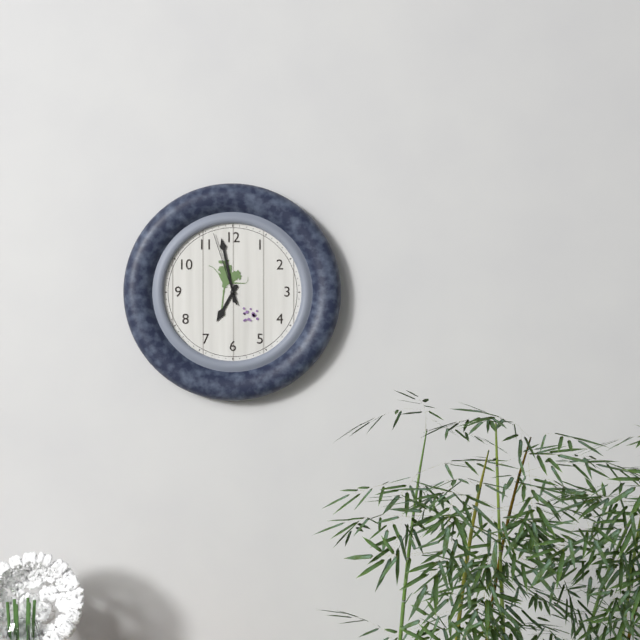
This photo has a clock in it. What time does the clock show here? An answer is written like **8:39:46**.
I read **6:58:57**
